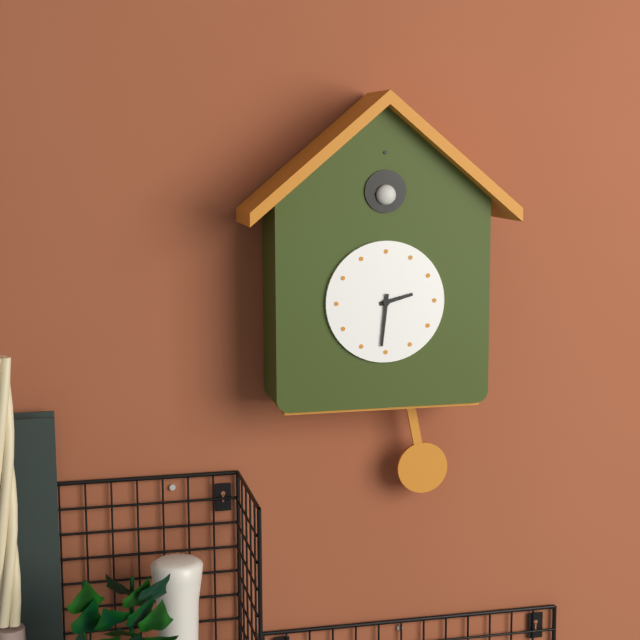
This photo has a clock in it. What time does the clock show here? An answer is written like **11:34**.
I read **2:31**
